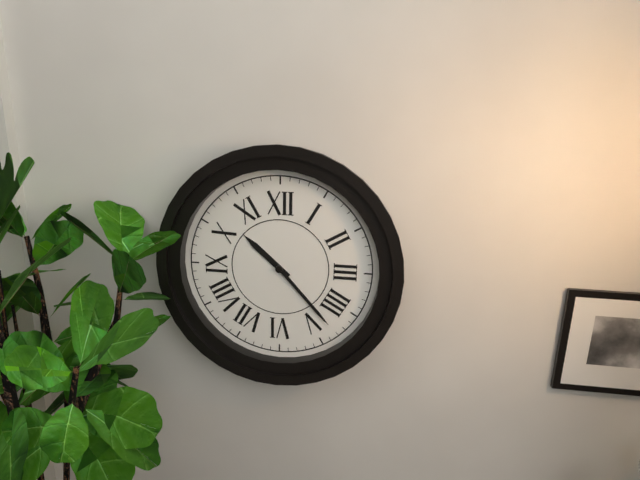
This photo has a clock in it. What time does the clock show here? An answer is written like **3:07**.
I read **10:23**
